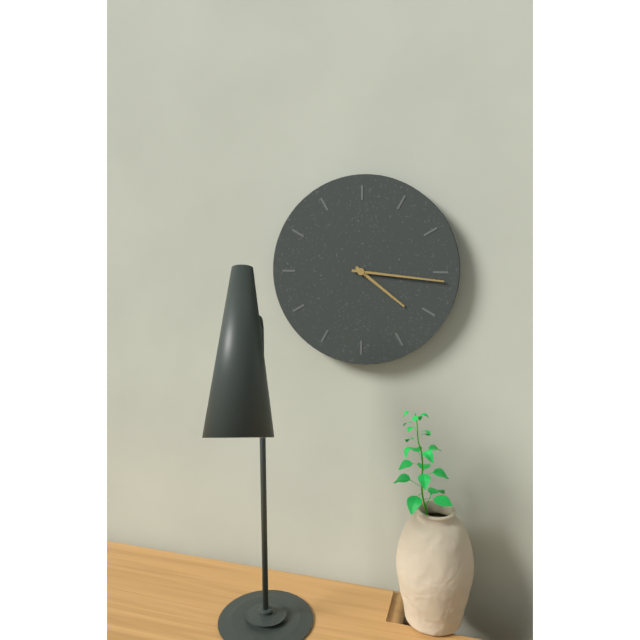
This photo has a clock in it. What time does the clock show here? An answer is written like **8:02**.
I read **4:16**
